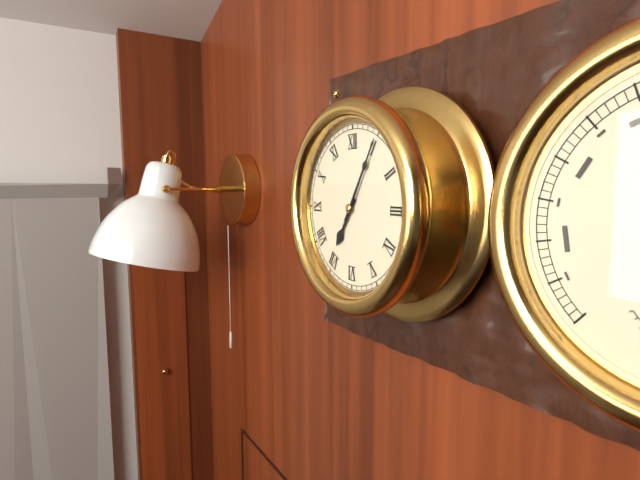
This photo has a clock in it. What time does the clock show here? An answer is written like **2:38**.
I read **7:05**
